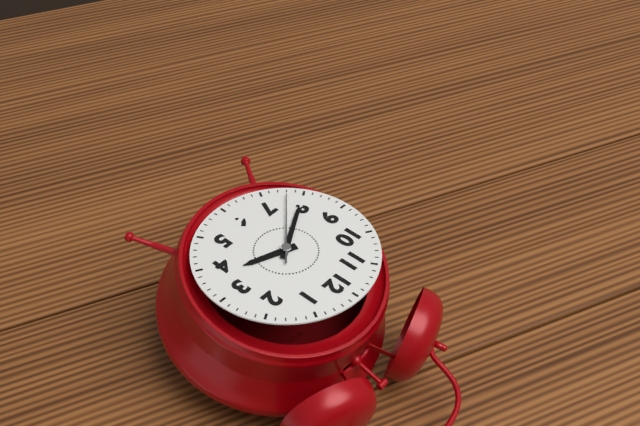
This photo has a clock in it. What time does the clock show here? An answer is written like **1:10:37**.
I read **3:40:38**
